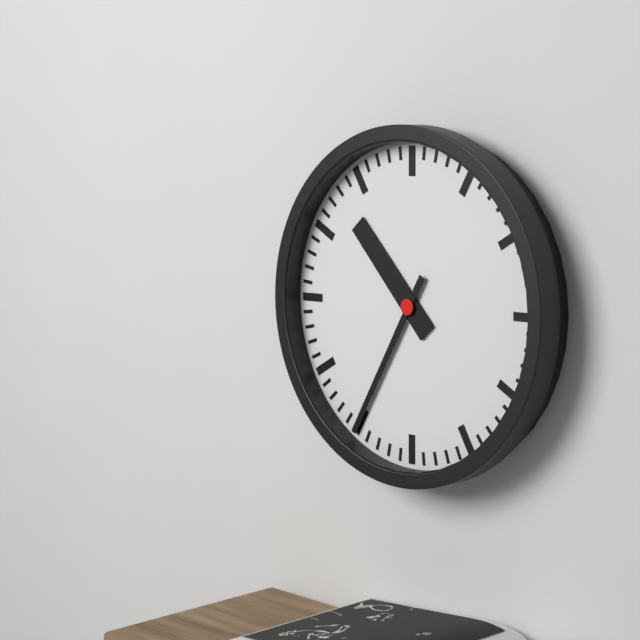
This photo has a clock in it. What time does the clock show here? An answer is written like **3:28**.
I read **10:35**
